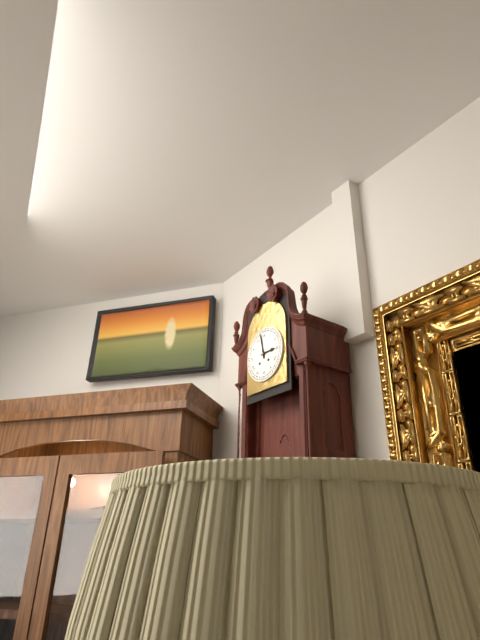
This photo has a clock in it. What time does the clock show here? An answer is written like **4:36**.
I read **2:58**
